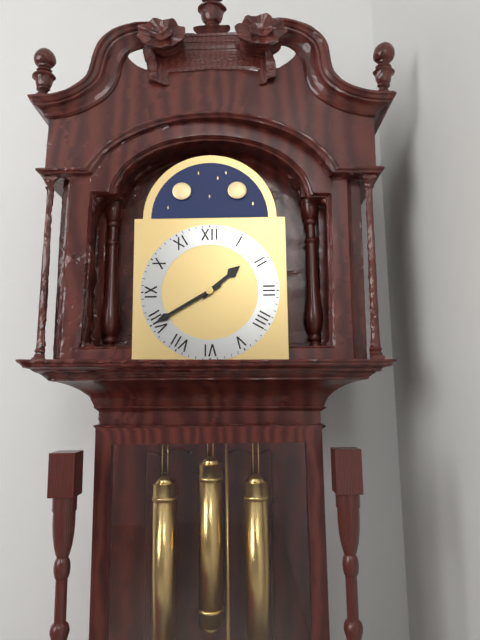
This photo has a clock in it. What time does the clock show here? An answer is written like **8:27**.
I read **1:40**
